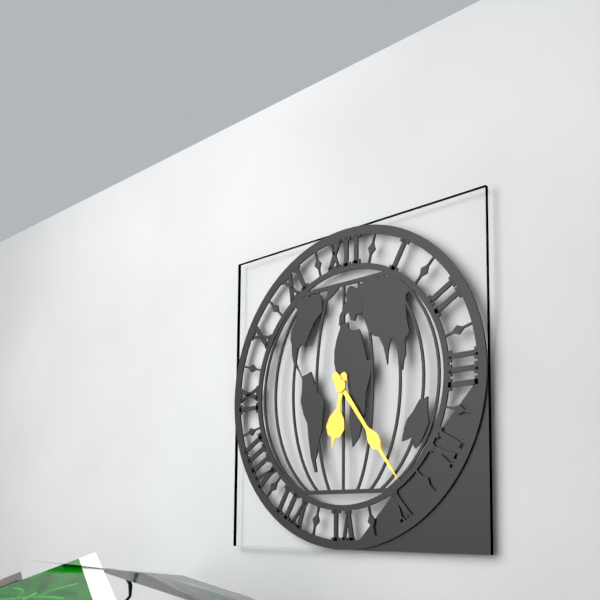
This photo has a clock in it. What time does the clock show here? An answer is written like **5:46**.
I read **6:24**
